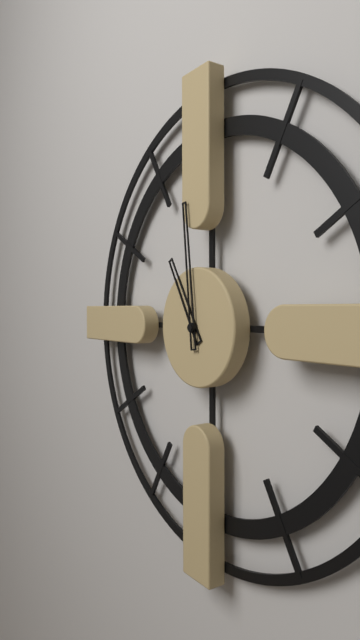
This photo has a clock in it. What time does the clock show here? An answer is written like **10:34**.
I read **10:59**
